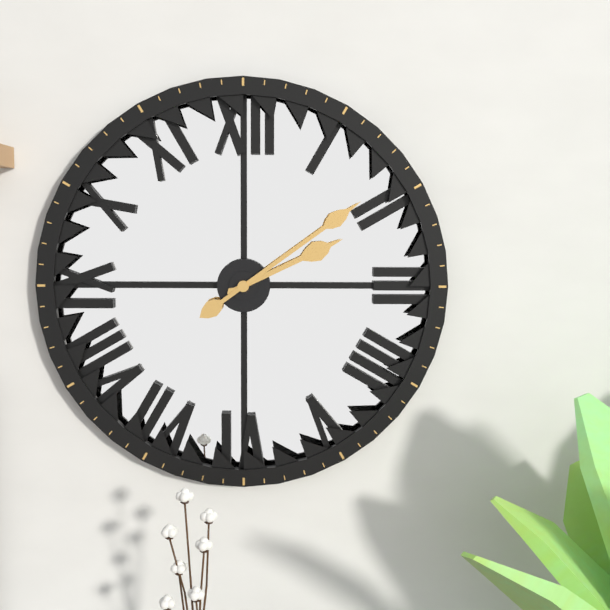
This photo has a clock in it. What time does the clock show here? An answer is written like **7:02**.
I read **2:09**
